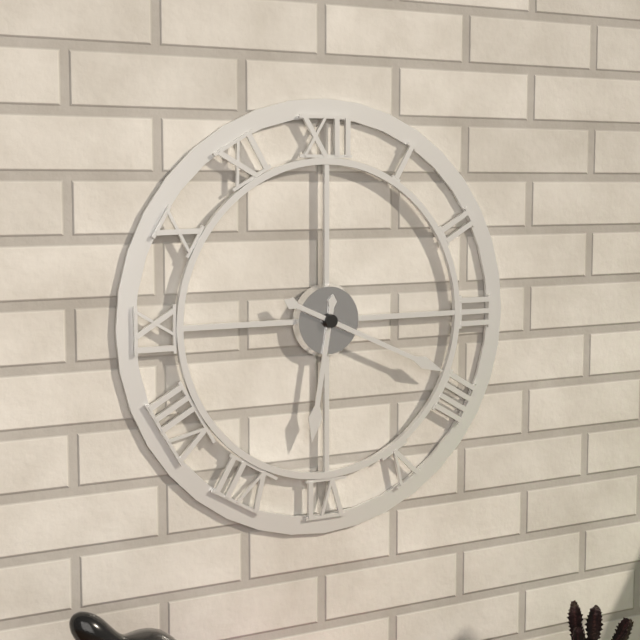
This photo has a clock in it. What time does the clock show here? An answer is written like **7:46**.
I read **6:19**
